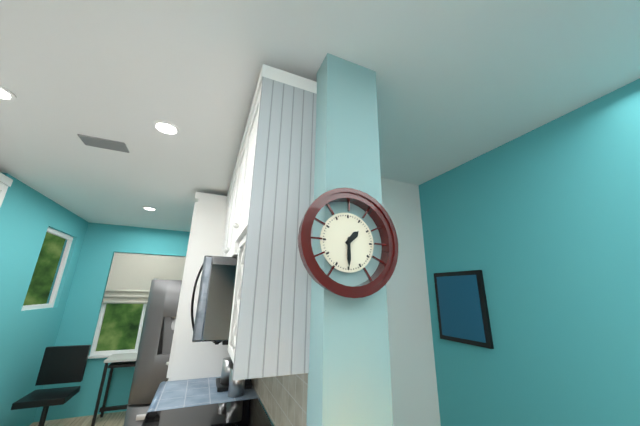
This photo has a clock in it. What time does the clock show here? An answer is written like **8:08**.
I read **1:30**
